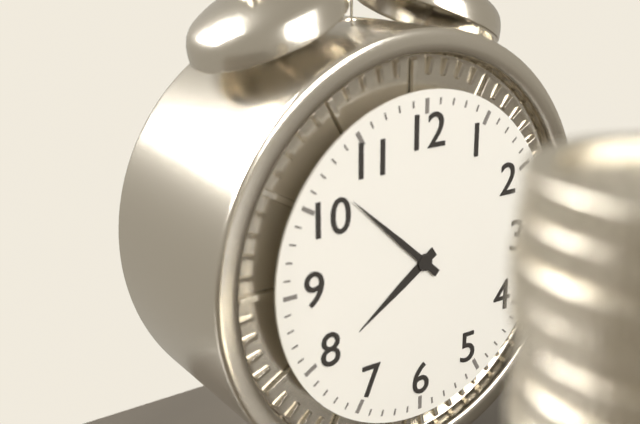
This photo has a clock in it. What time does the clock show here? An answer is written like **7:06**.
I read **7:52**
